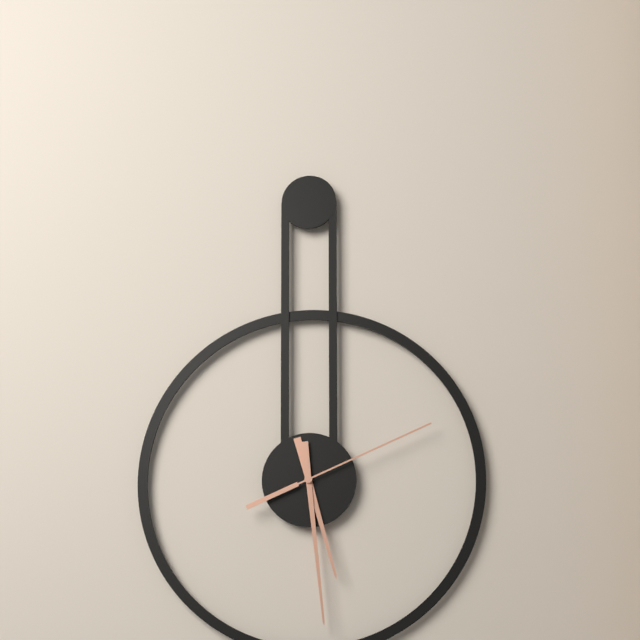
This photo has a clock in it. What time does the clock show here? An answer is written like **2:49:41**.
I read **5:29:11**
